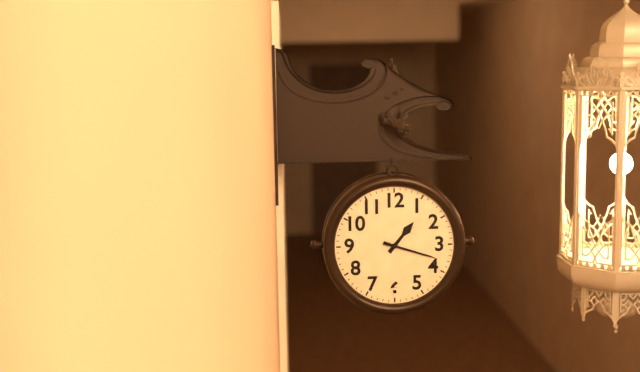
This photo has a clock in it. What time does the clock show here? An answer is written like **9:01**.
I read **1:18**
